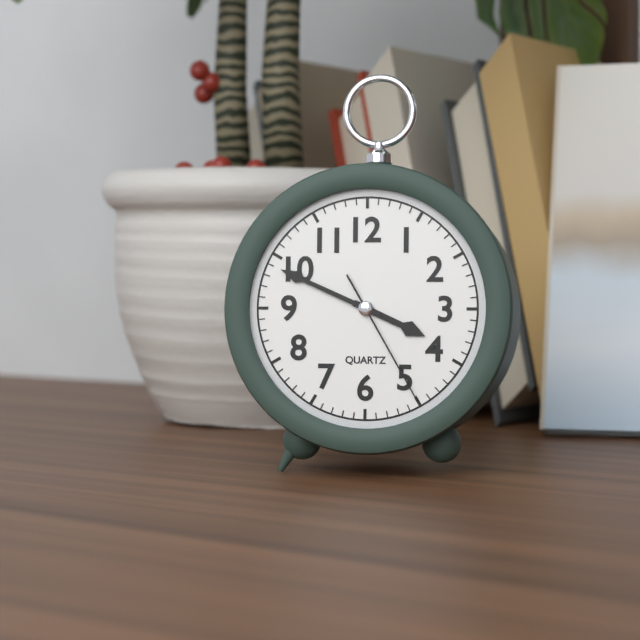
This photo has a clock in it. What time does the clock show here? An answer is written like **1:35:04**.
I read **3:49:25**
